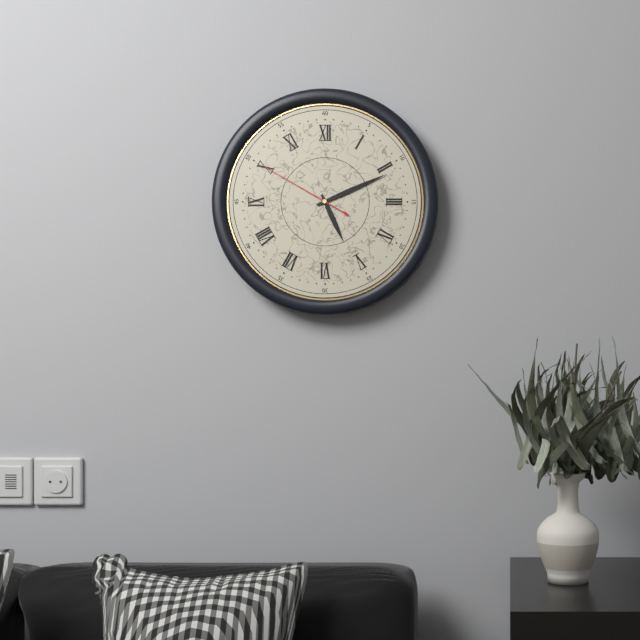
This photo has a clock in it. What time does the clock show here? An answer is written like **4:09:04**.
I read **5:11:50**
